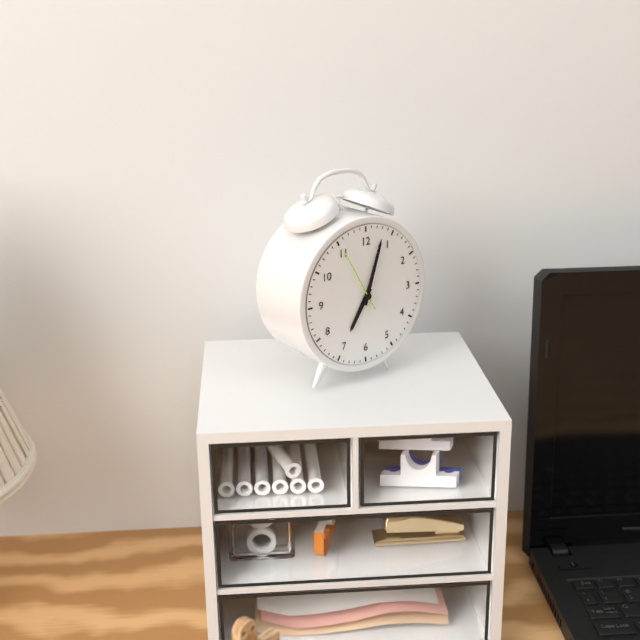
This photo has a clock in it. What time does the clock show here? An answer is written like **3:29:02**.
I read **7:03:55**
